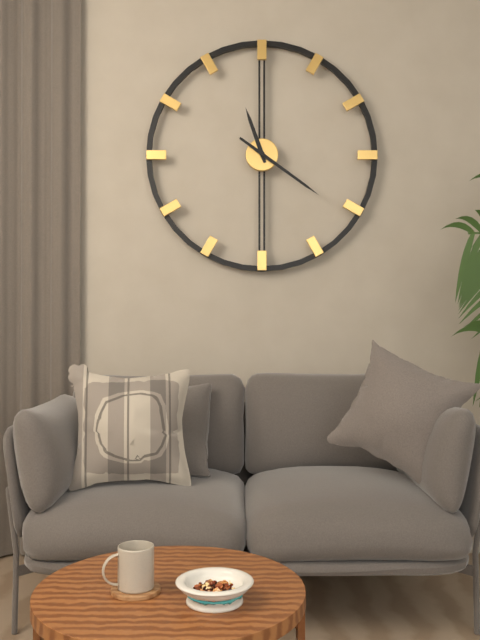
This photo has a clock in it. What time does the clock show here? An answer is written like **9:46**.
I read **11:21**
